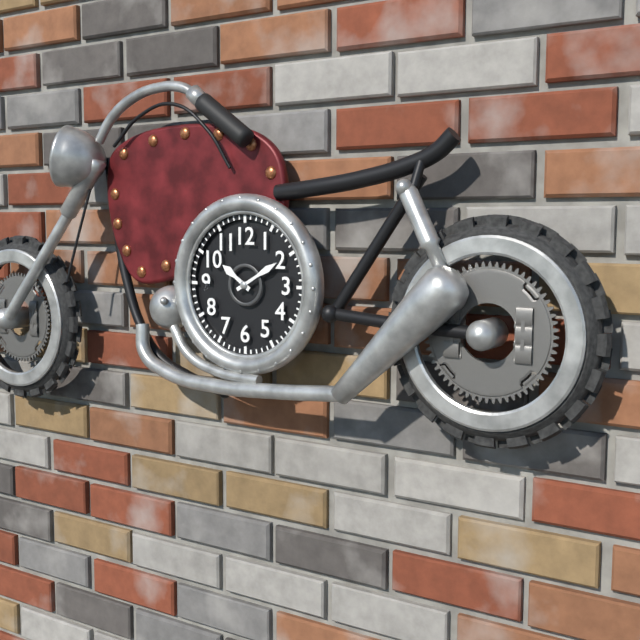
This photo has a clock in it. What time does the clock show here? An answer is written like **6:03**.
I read **10:10**
